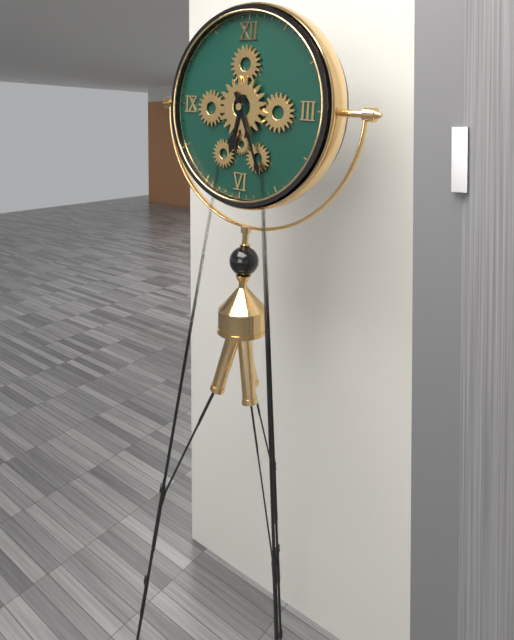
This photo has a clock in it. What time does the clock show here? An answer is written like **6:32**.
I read **6:26**
